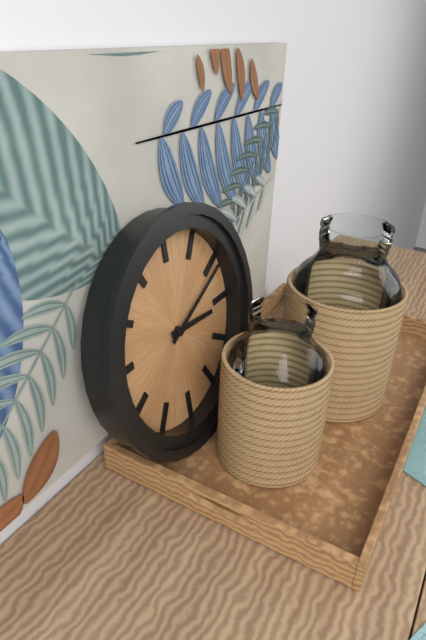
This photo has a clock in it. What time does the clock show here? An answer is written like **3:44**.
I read **3:11**
